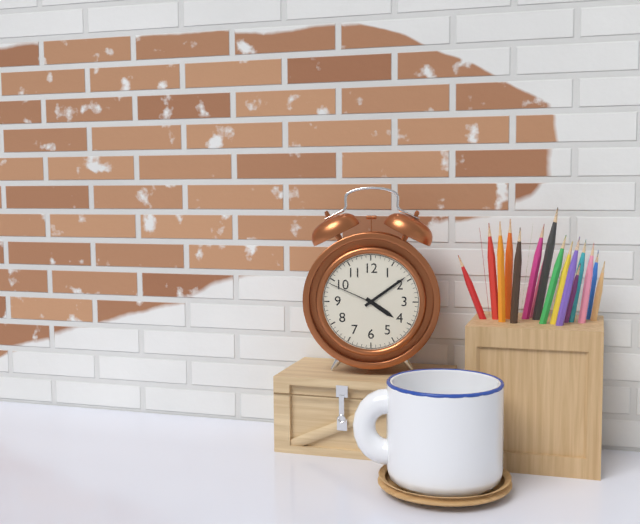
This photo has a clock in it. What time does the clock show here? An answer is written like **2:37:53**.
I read **4:09:49**
